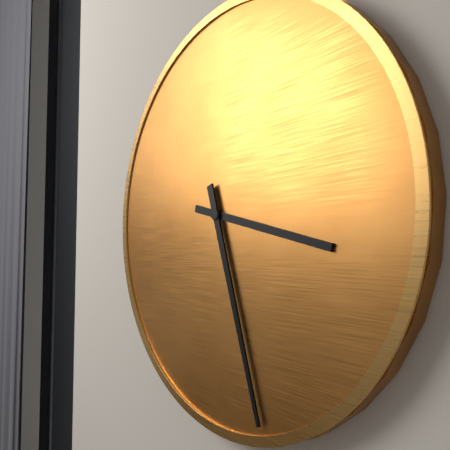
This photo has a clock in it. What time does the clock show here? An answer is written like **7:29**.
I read **3:27**
